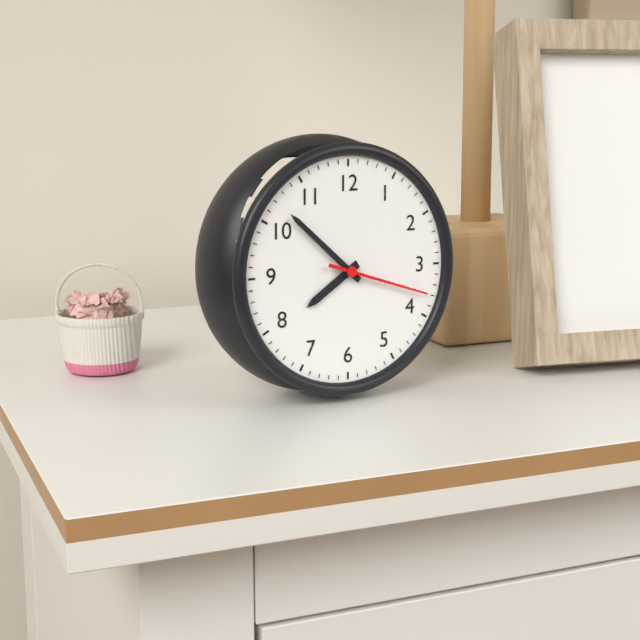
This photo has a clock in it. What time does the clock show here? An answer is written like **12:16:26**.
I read **7:52:18**
